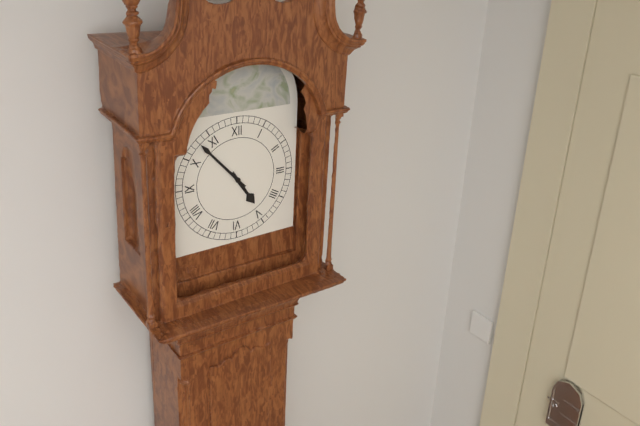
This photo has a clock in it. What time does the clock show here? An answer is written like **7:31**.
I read **4:53**
